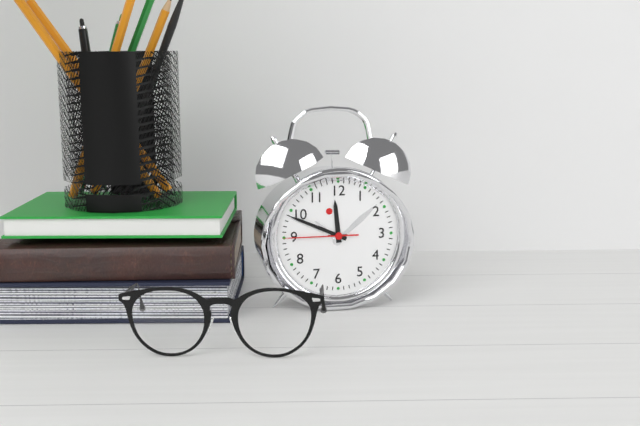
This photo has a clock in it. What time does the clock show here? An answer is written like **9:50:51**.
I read **11:49:45**
